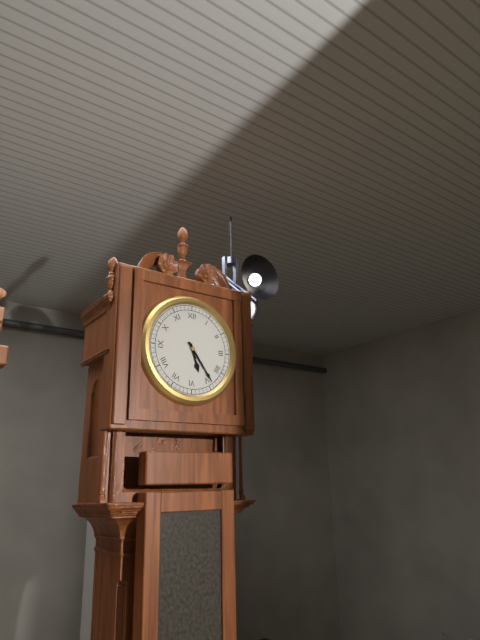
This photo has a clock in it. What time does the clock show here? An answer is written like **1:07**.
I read **5:24**
